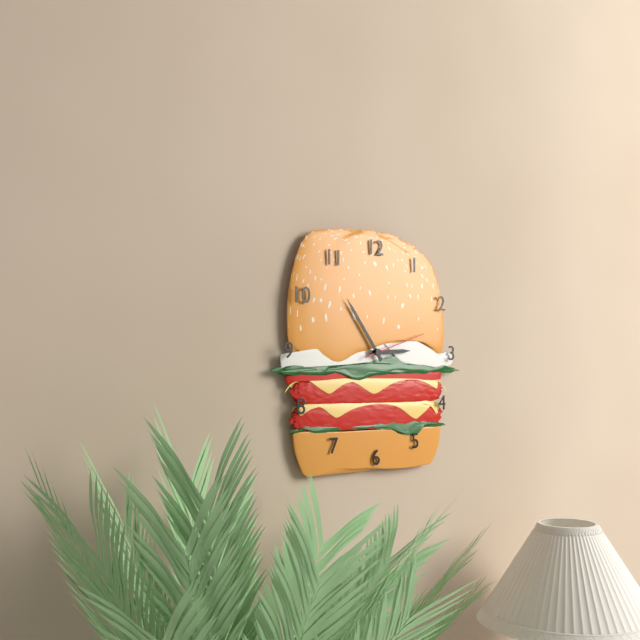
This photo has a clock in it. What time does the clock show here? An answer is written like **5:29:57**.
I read **2:54:12**
